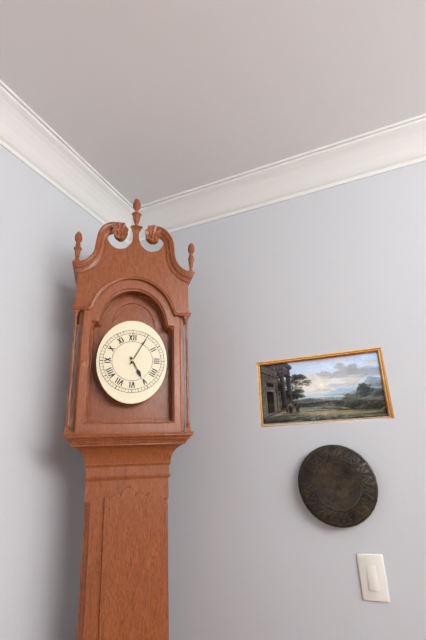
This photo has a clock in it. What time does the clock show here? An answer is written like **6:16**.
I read **5:05**
